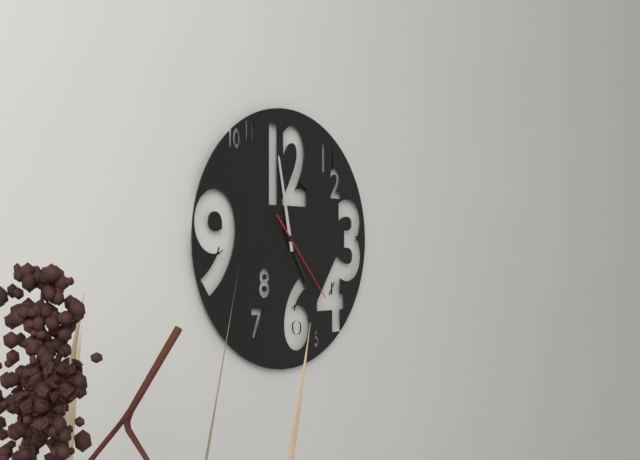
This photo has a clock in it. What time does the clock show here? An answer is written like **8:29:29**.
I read **4:58:23**
